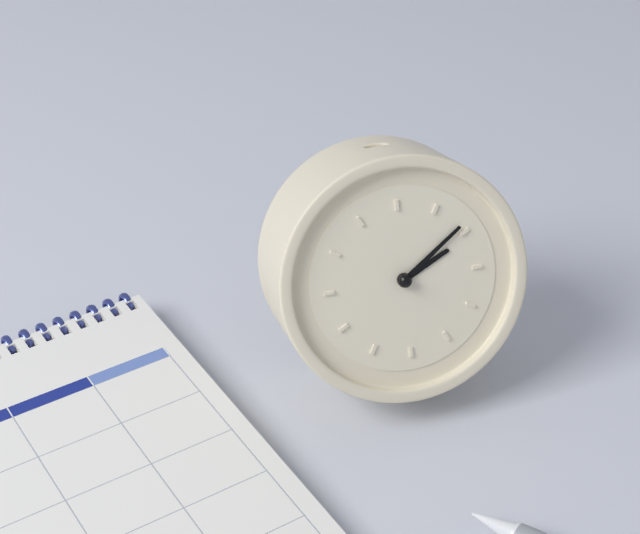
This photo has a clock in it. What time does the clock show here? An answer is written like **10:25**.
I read **2:09**
